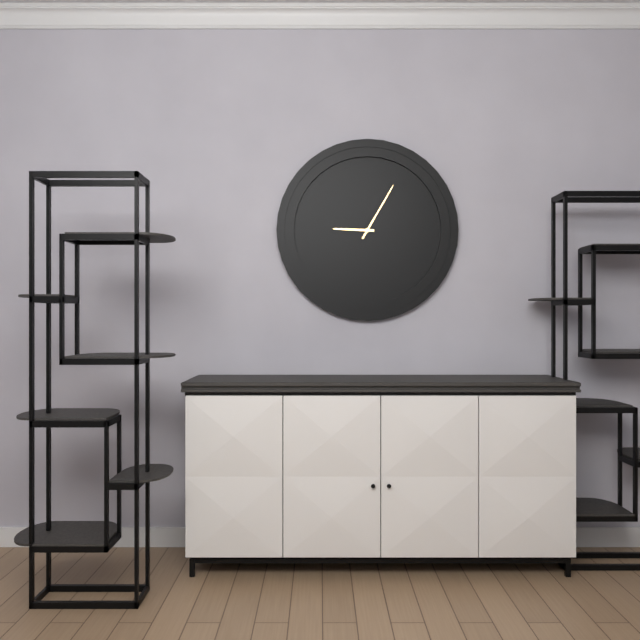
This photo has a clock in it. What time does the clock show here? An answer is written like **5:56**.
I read **9:05**
